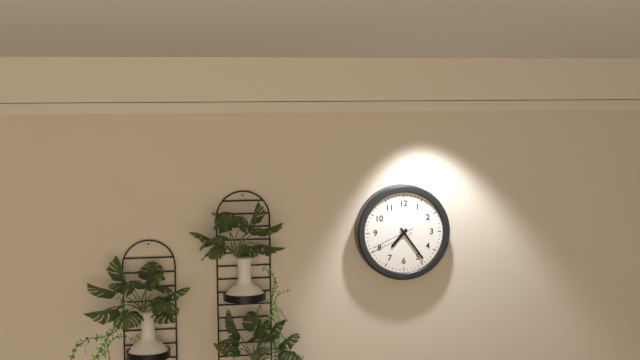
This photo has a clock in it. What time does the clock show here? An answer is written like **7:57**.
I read **7:24**
